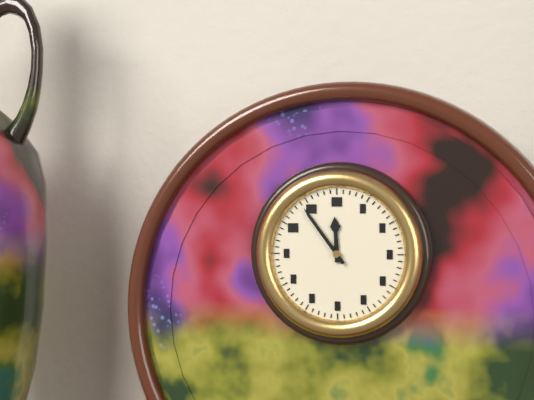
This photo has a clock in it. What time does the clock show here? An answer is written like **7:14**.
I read **11:54**
